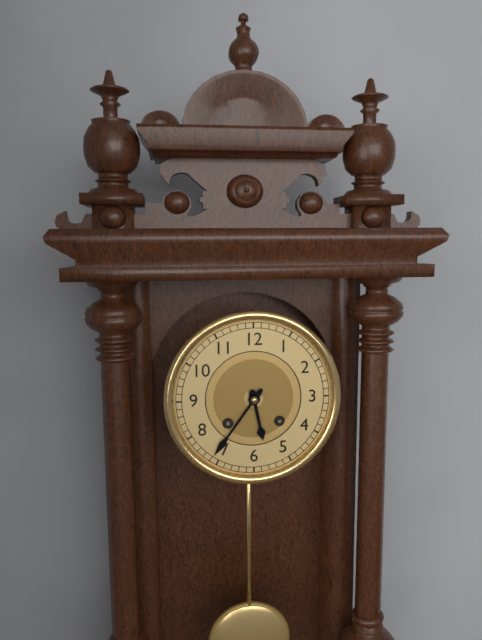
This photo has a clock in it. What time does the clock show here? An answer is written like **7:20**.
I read **5:36**
